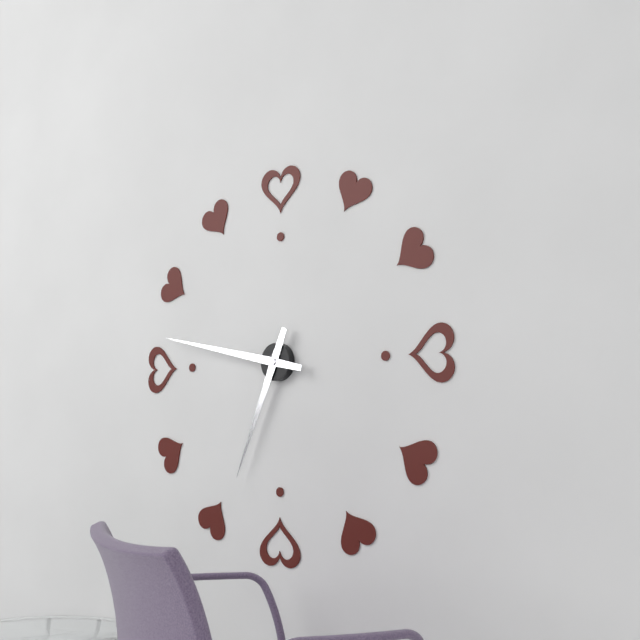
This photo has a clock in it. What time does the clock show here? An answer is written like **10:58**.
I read **6:47**
